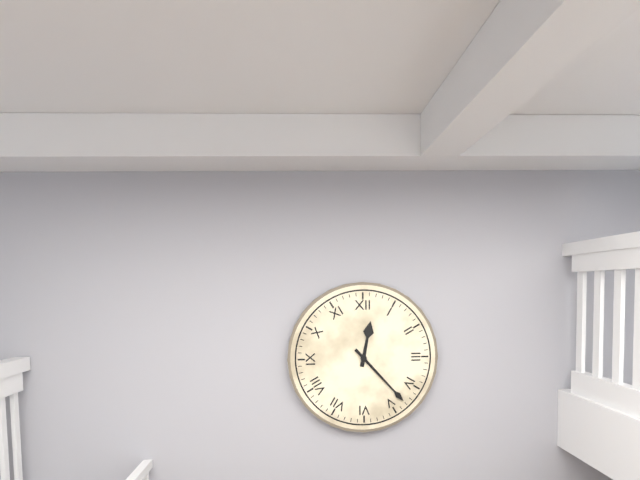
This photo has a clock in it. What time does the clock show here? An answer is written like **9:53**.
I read **12:23**
